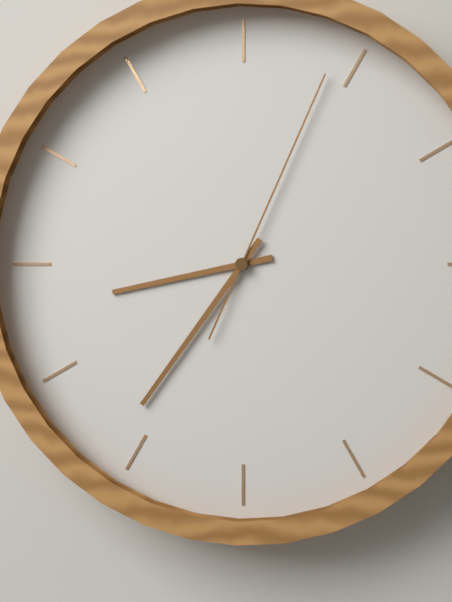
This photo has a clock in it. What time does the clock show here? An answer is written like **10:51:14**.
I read **8:36:04**
